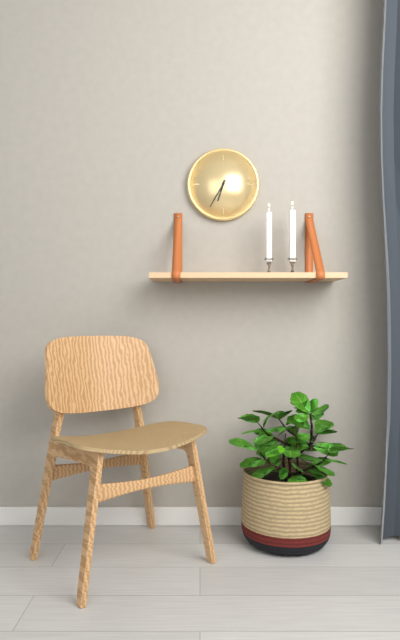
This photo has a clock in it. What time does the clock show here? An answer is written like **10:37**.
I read **6:35**
